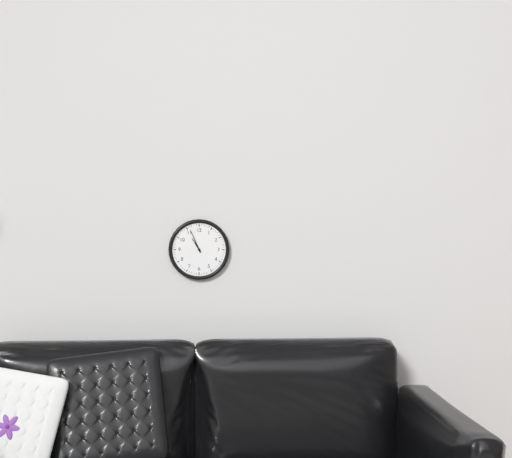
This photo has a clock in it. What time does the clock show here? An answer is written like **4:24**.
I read **10:56**
